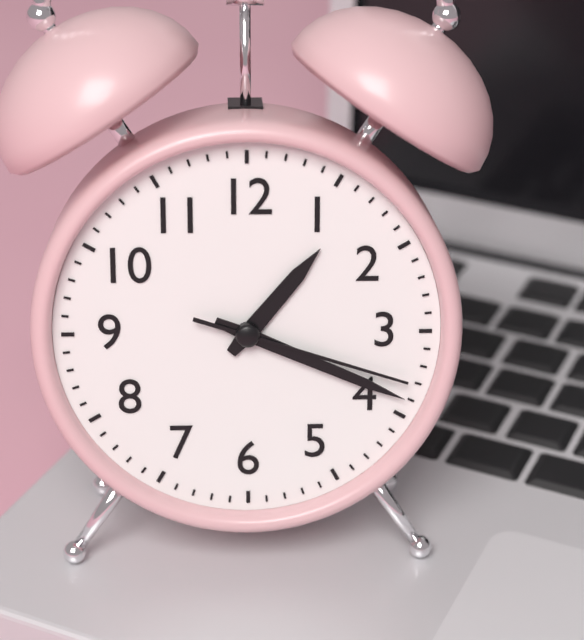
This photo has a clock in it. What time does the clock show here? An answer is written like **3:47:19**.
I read **1:19:18**
